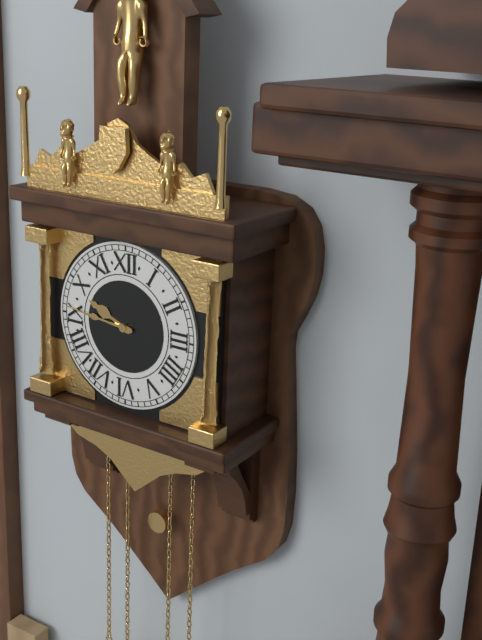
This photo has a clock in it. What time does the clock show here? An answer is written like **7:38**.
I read **9:46**
